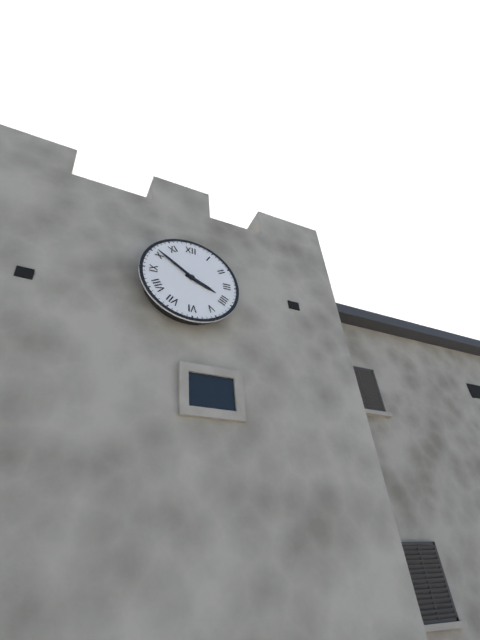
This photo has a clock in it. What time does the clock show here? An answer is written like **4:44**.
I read **3:51**
